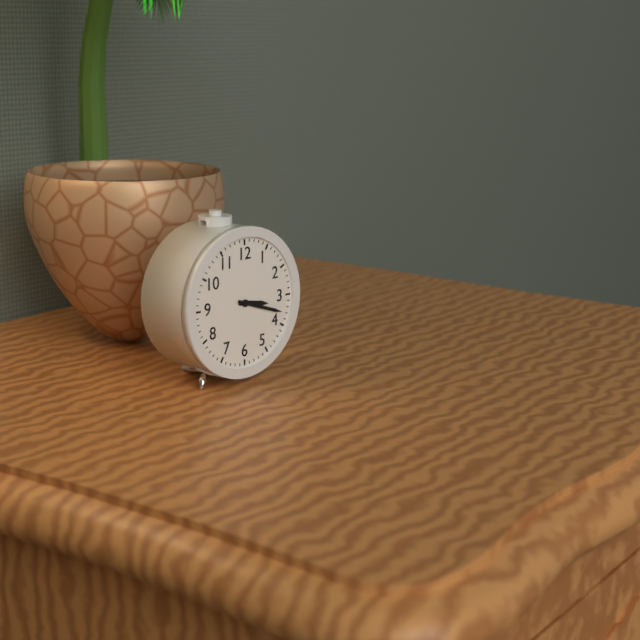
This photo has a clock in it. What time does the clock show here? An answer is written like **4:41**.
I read **3:18**
